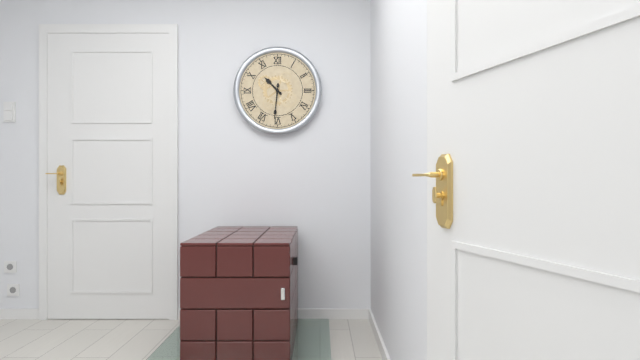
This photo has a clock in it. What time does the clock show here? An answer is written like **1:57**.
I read **10:31**
